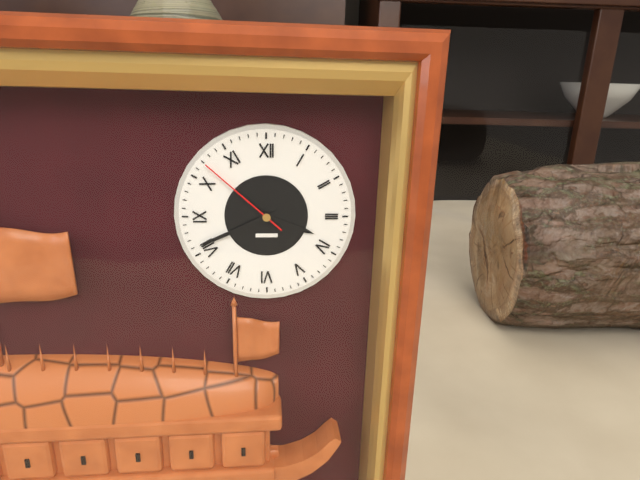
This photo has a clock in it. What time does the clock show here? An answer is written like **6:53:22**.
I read **3:41:52**
